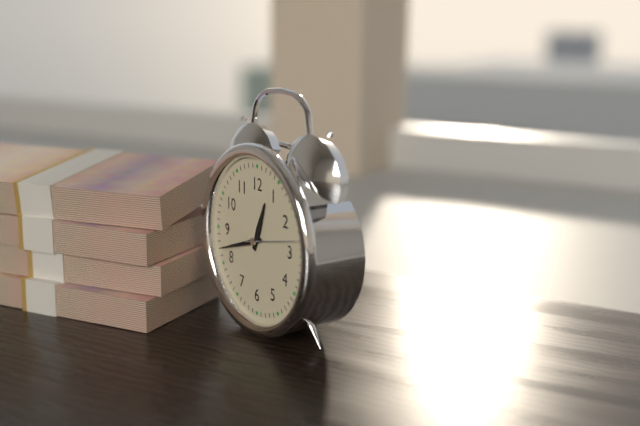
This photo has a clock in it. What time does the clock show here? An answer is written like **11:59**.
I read **12:42**
